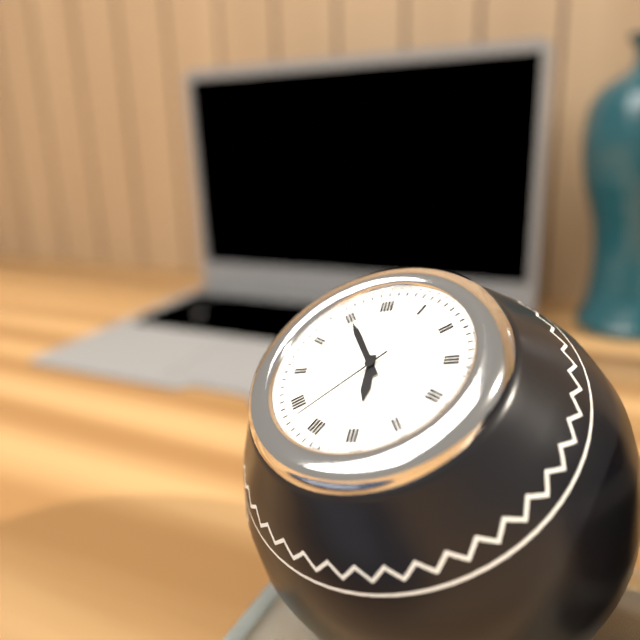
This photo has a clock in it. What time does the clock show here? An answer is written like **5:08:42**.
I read **5:55:38**
